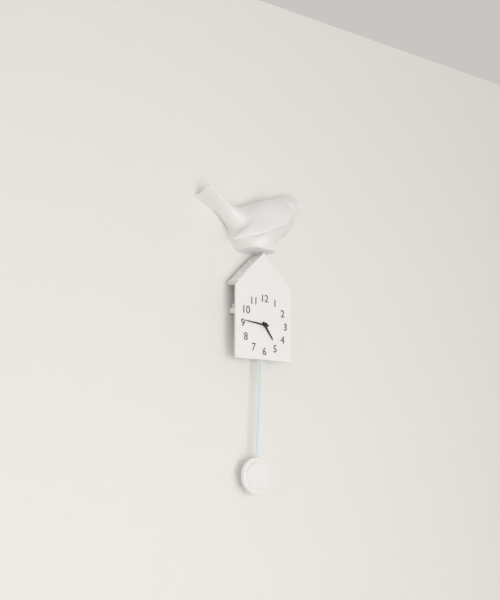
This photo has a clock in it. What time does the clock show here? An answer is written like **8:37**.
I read **4:46**
